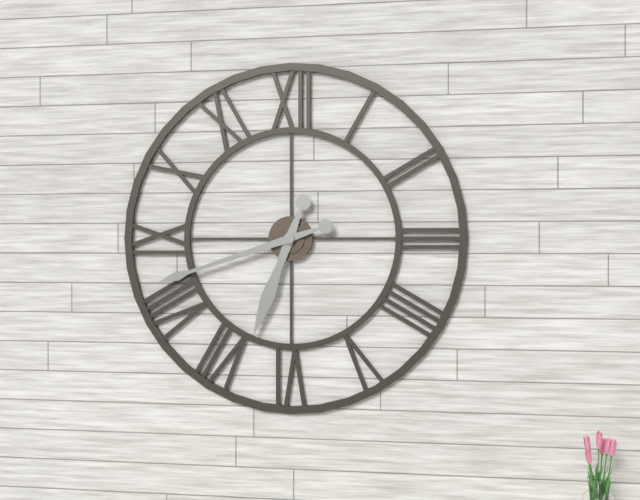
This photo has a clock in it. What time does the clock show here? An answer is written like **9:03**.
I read **6:42**
